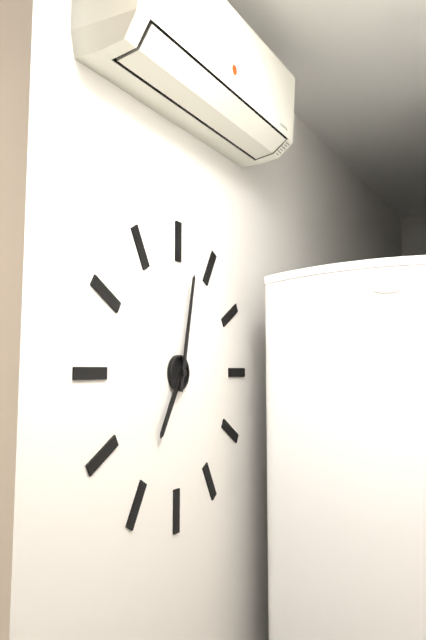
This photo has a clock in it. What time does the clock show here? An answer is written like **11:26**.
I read **7:02**
